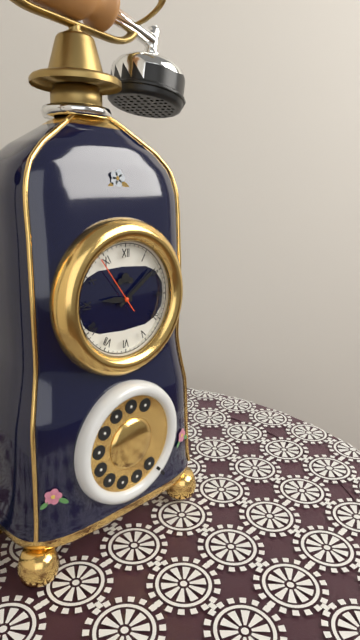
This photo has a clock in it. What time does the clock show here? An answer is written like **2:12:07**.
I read **9:09:54**
